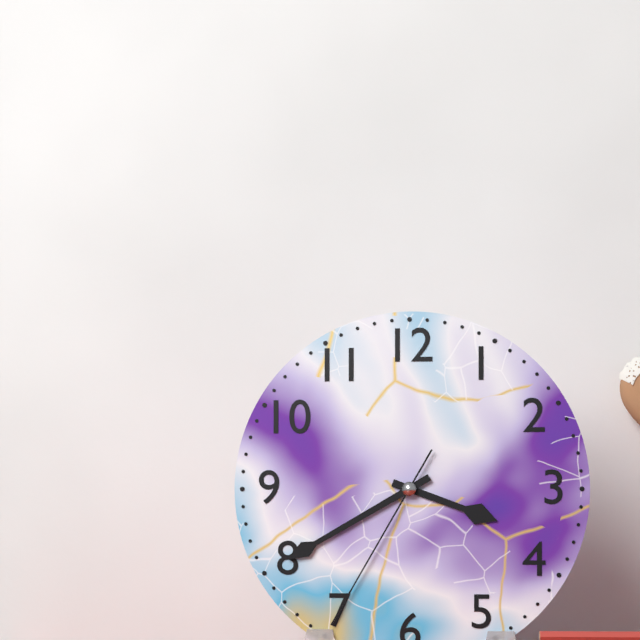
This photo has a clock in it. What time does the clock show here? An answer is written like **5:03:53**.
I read **3:40:35**
